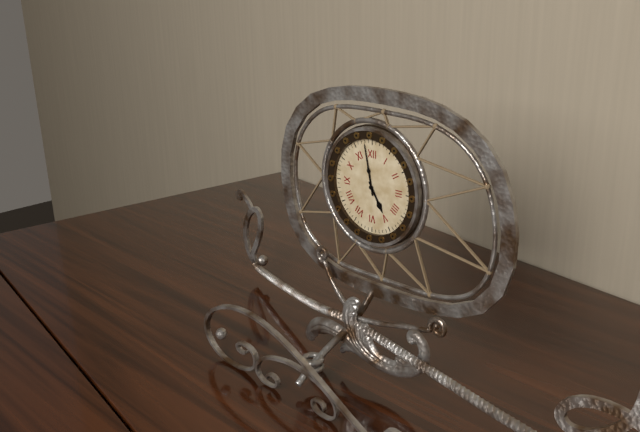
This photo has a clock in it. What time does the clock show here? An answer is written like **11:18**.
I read **4:58**
